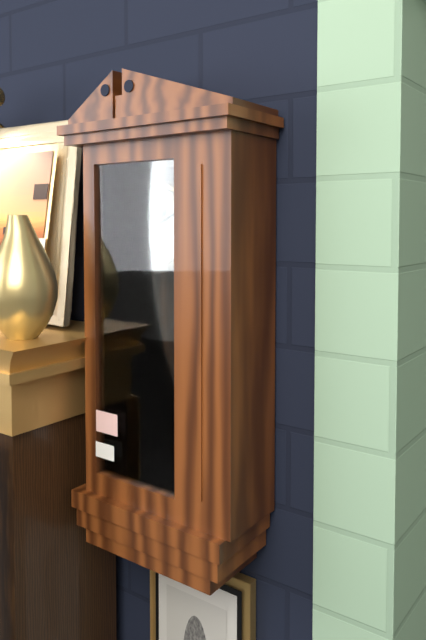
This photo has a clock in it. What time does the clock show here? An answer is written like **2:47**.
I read **1:10**
